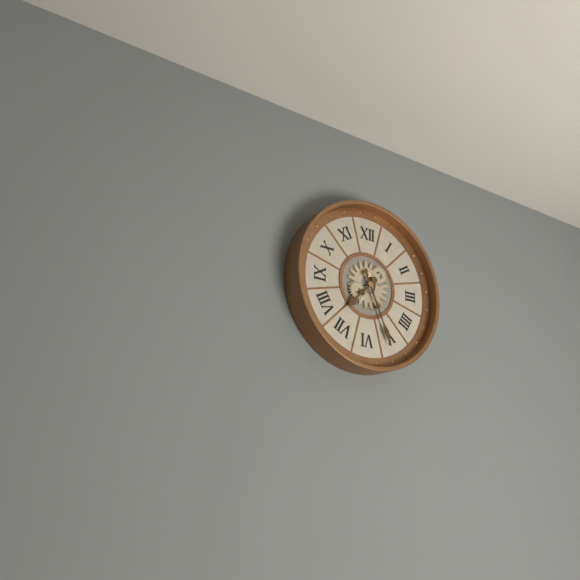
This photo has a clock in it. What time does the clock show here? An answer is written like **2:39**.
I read **7:26**
